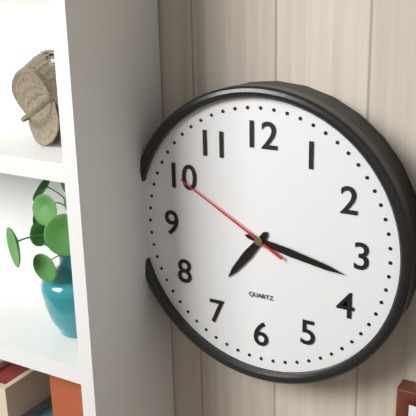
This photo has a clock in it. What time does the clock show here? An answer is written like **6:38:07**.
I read **7:17:50**
